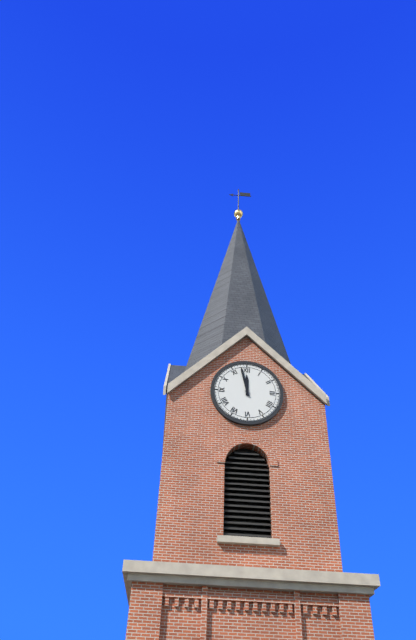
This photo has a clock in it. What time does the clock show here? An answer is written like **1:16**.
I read **11:58**
